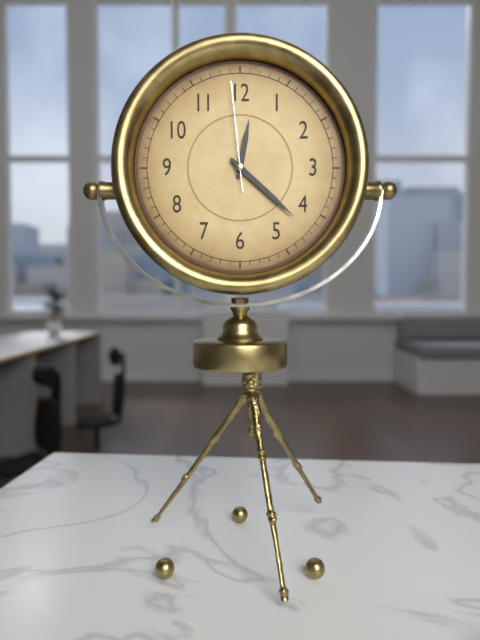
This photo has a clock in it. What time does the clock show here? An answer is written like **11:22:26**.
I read **12:22:59**
